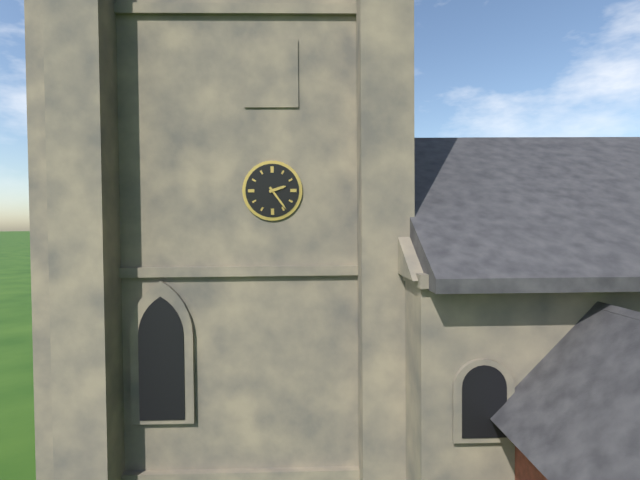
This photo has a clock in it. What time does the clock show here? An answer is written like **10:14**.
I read **2:24**
